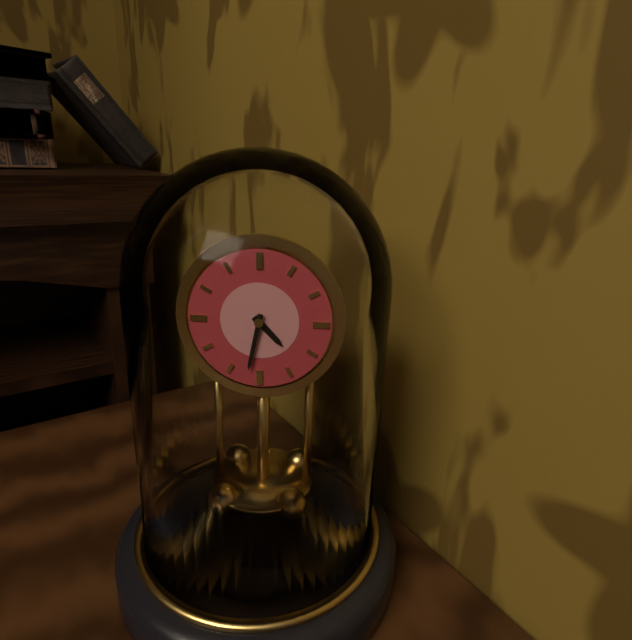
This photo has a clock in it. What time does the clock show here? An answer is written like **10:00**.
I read **4:32**
